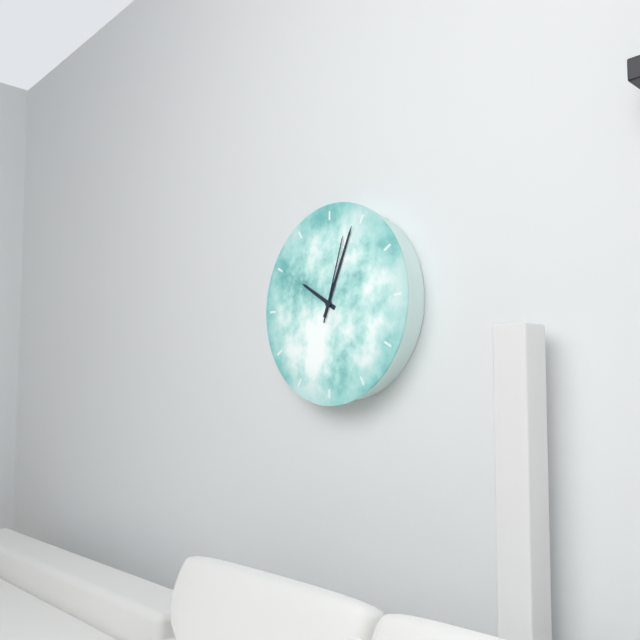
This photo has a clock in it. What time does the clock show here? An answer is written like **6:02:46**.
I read **10:04:03**
